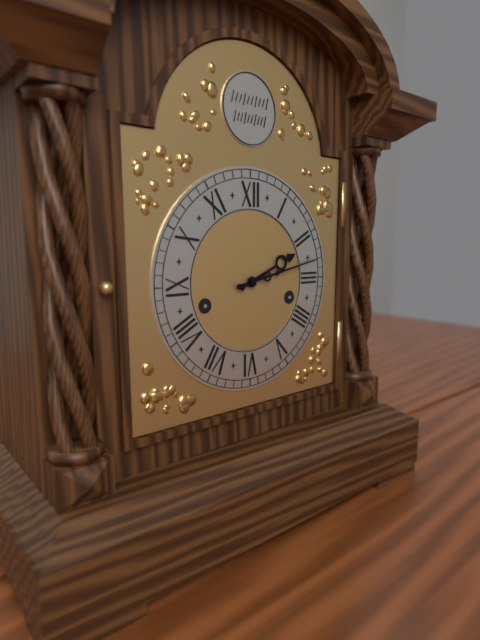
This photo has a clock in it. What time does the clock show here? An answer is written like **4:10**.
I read **2:13**
